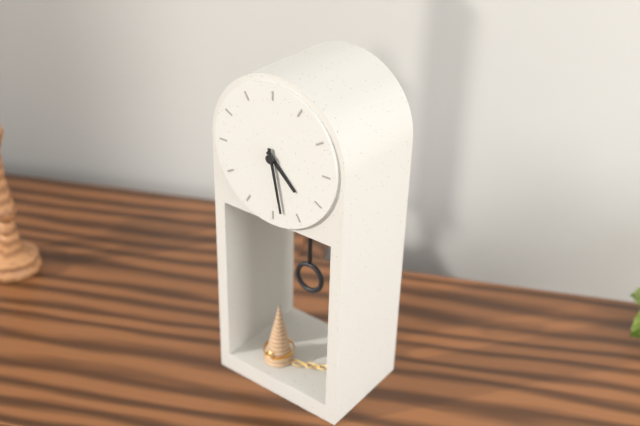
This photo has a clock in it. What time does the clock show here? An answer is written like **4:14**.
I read **4:28**
